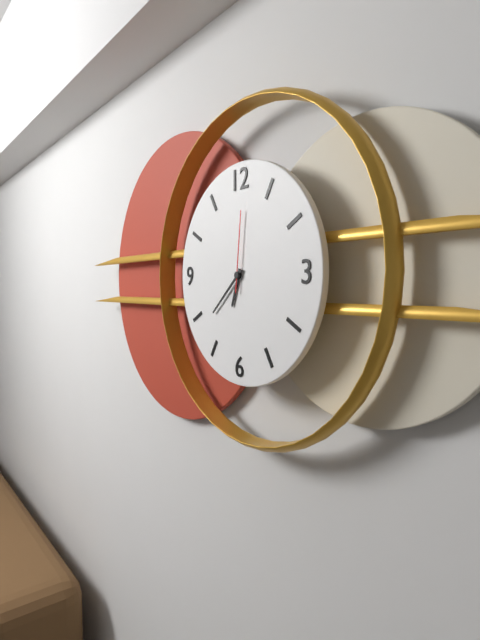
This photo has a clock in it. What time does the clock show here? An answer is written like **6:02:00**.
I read **6:38:01**
